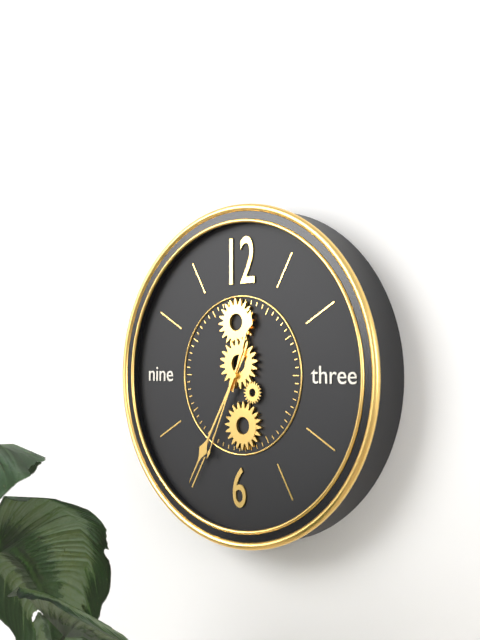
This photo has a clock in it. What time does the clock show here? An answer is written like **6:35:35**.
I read **12:35:34**
